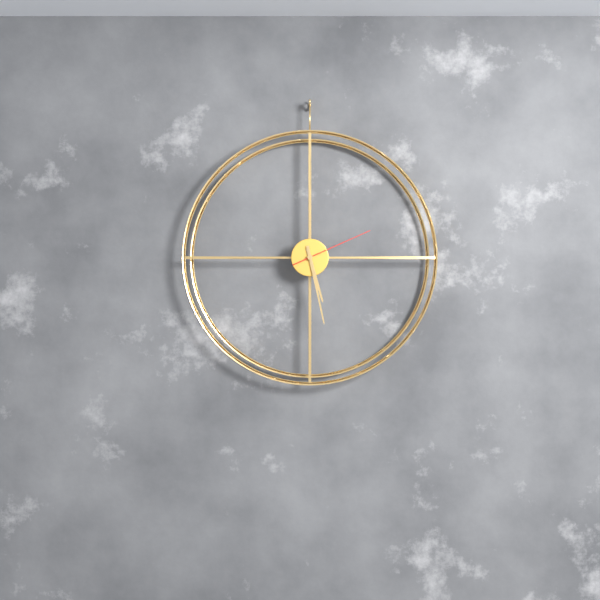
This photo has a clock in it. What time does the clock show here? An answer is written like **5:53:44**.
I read **5:28:11**
